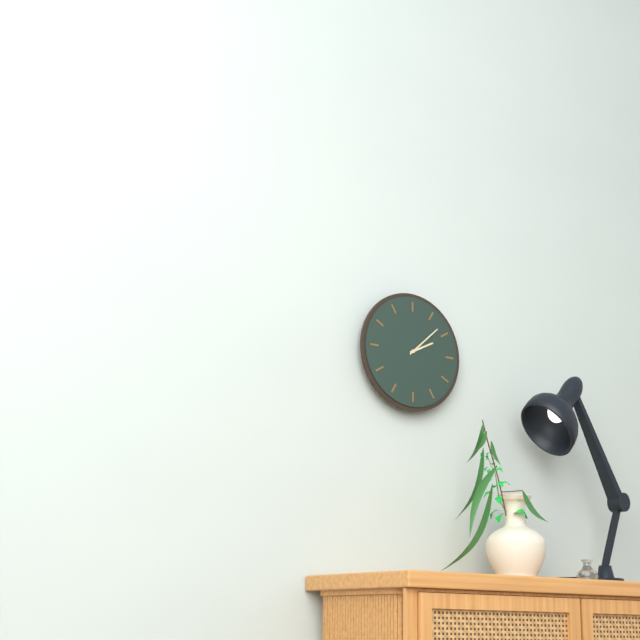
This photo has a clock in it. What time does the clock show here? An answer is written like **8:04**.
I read **2:08**
